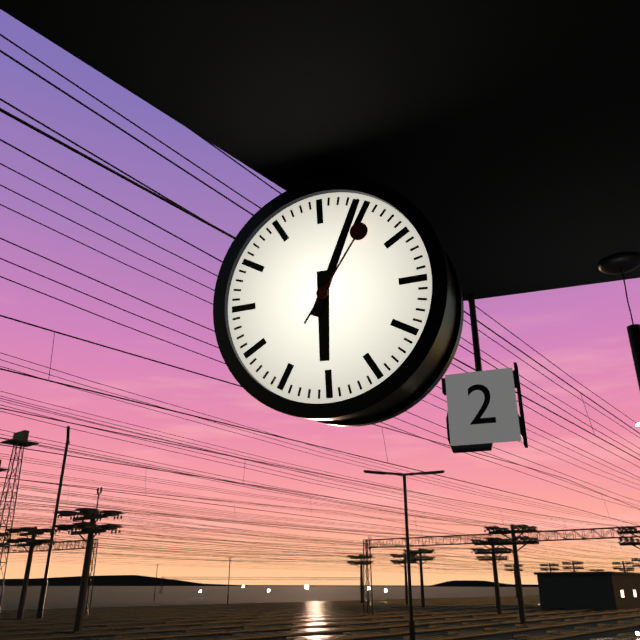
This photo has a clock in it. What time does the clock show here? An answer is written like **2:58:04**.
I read **6:04:06**
